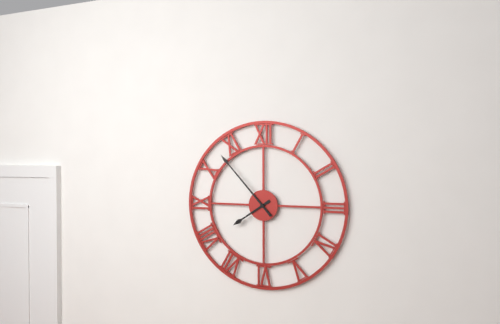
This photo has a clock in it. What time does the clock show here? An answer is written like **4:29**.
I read **7:53**
